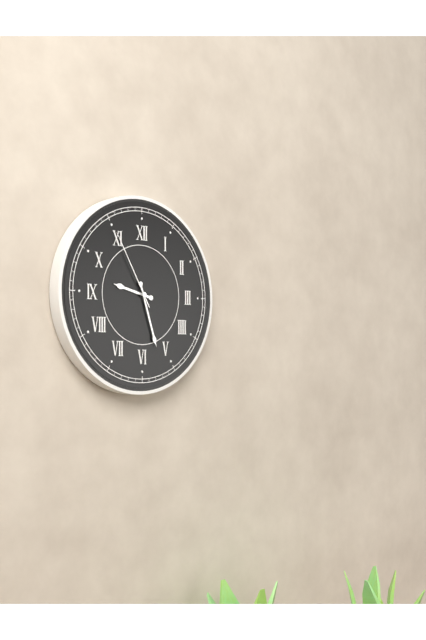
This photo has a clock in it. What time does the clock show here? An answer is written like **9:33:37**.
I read **9:27:55**
